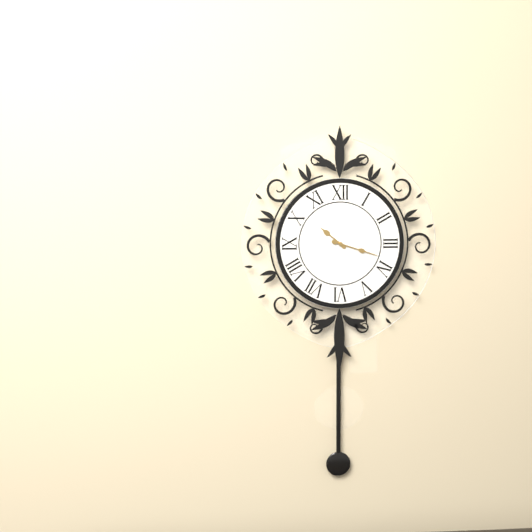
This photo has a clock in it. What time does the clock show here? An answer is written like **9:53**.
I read **10:18**
